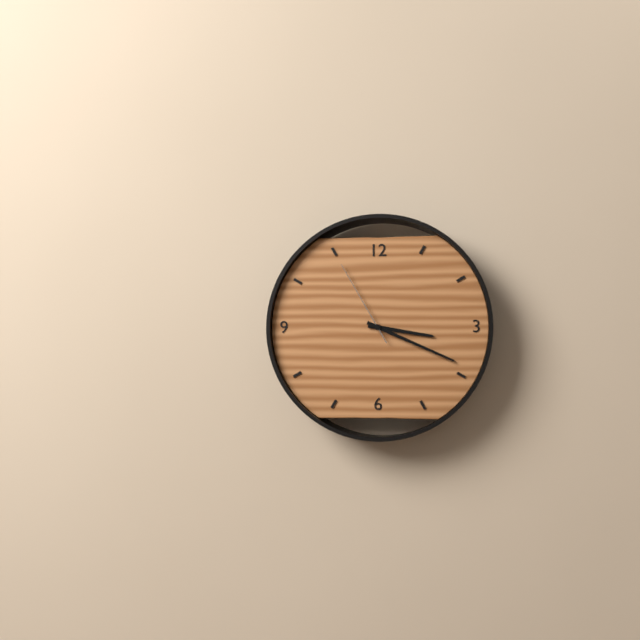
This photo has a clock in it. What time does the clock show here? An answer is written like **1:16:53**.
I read **3:19:55**
